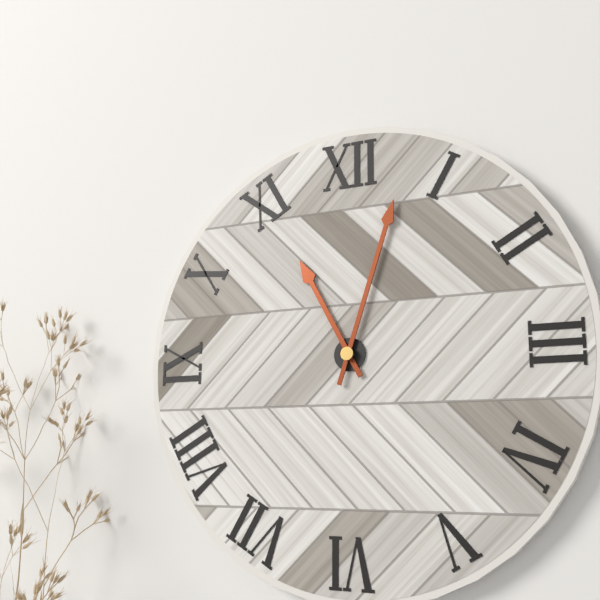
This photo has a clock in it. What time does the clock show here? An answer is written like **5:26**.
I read **11:03**
